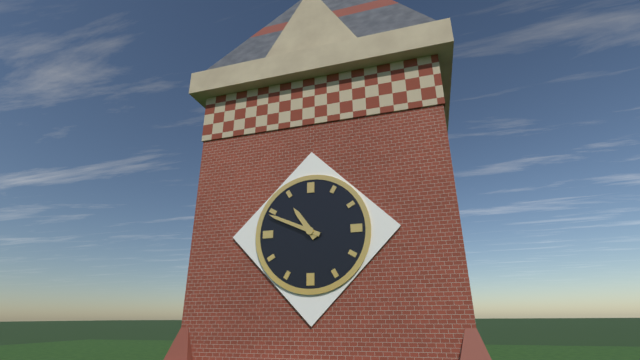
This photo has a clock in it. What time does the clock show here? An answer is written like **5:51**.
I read **10:49**
